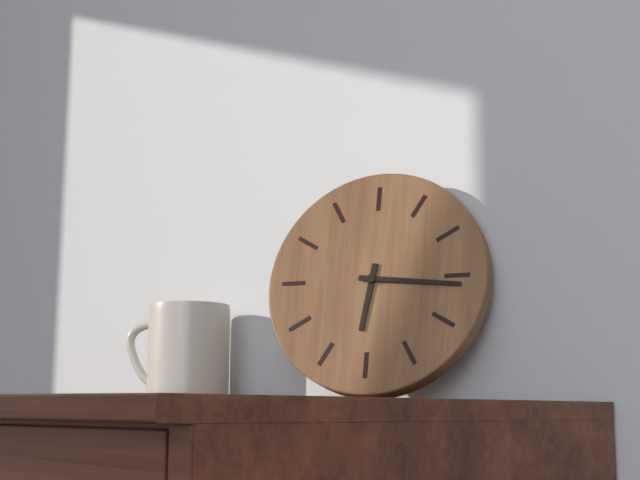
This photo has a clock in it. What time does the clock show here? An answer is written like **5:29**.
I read **6:16**
